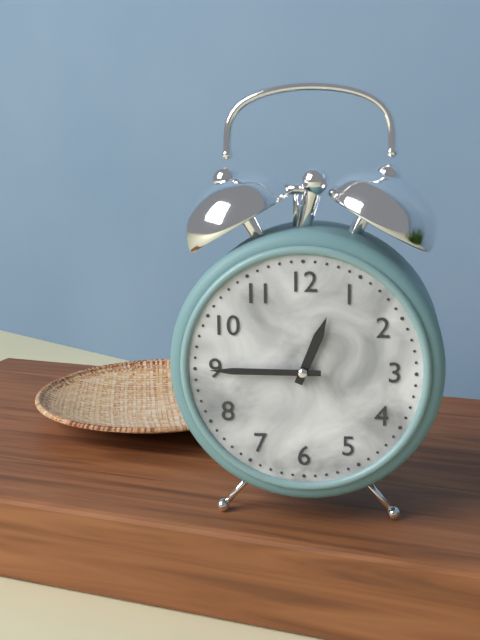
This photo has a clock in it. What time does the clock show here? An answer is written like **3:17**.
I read **12:45**
